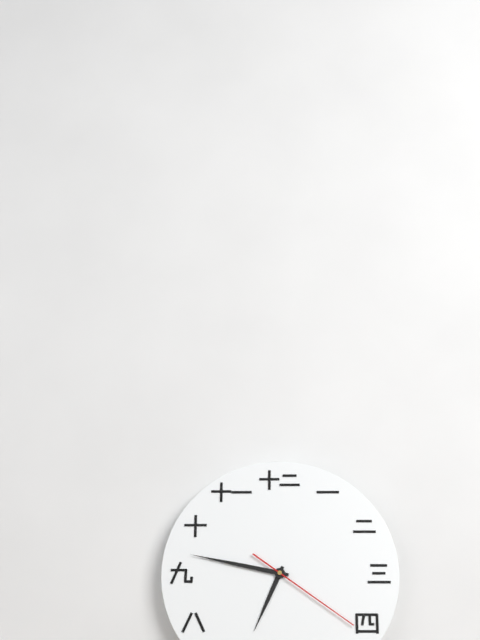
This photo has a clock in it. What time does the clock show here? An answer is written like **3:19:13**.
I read **6:47:21**
